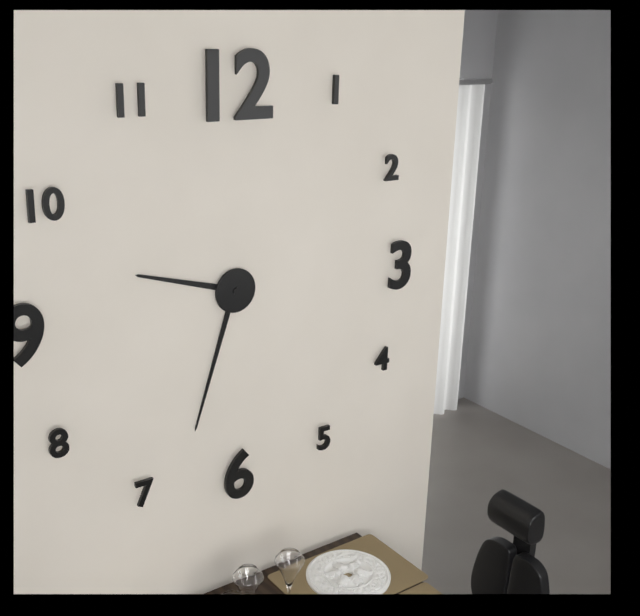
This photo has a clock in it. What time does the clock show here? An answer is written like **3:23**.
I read **9:33**
